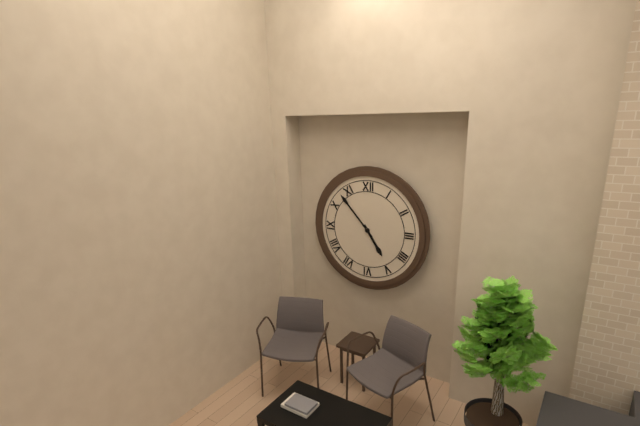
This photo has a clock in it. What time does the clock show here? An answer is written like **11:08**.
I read **4:53**
